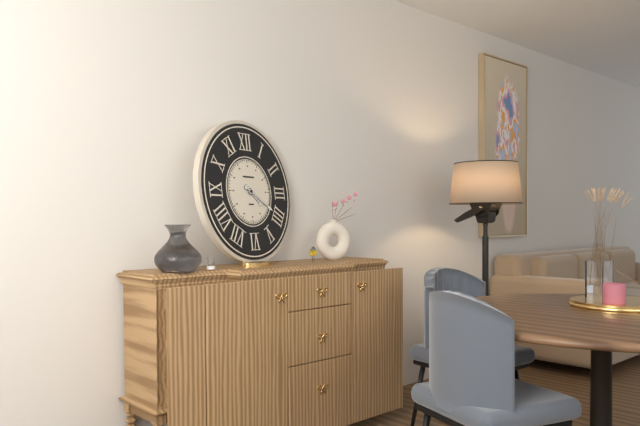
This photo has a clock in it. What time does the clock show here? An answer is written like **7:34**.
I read **4:20**
